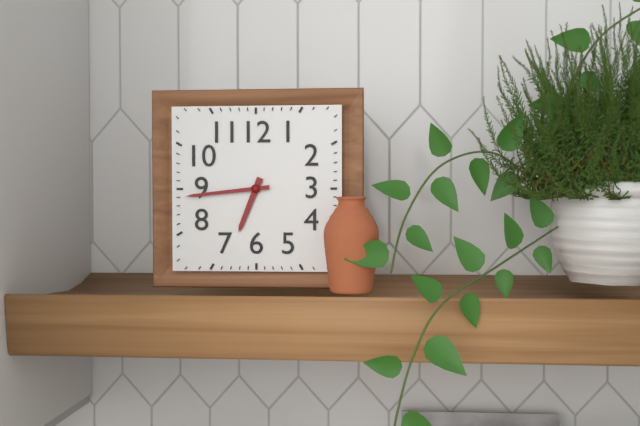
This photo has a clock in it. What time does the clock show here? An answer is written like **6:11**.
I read **6:44**
